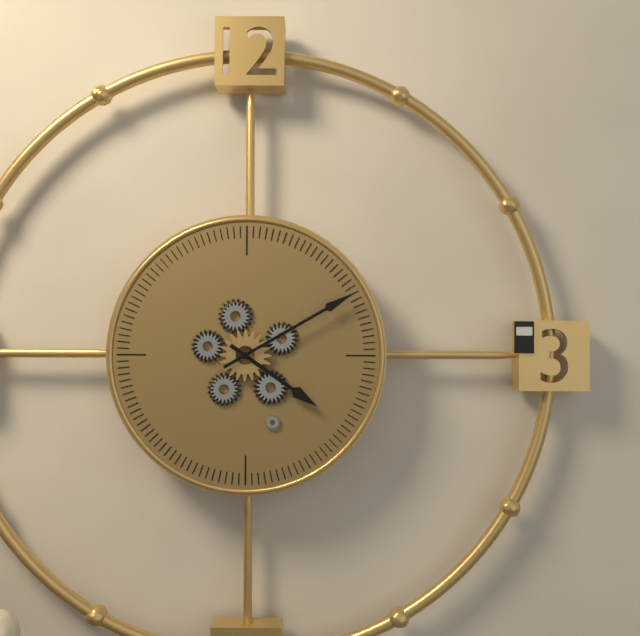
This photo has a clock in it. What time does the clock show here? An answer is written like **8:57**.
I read **4:10**
